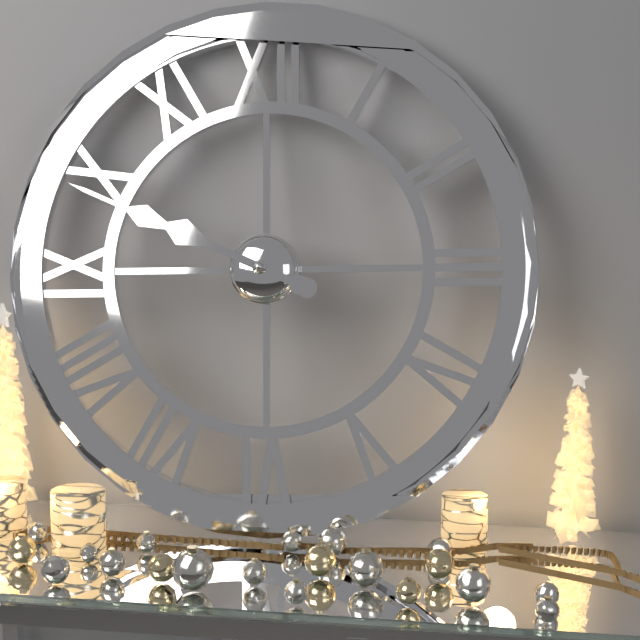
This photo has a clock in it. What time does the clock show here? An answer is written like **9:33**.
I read **9:49**
